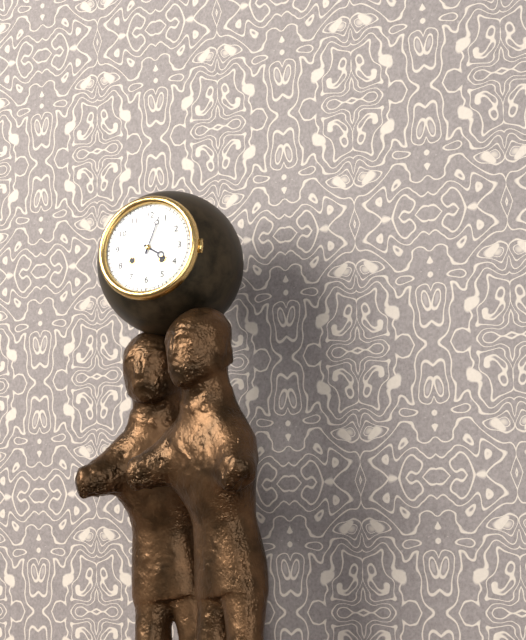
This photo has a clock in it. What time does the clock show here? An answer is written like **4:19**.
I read **4:03**
